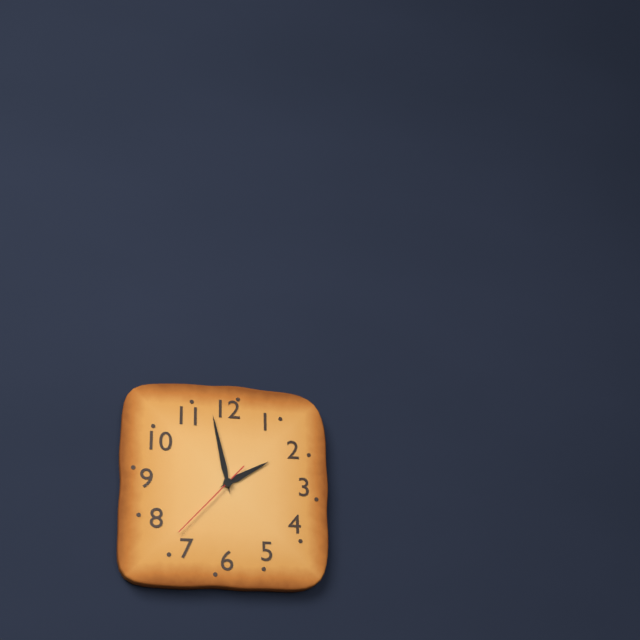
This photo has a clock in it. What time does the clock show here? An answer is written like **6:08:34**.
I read **1:58:37**
